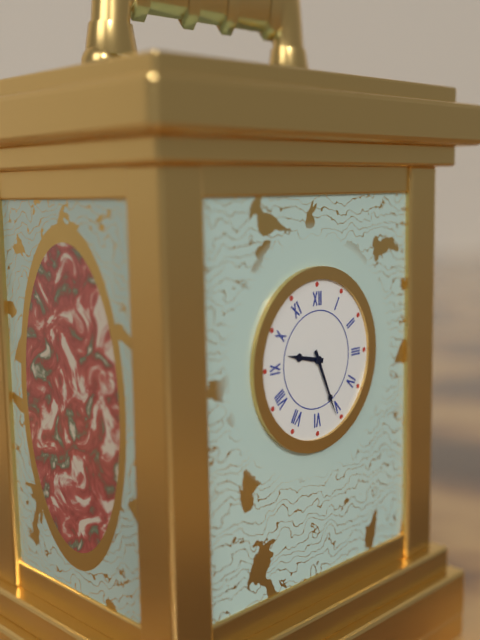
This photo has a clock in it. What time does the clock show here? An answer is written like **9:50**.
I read **9:26**
